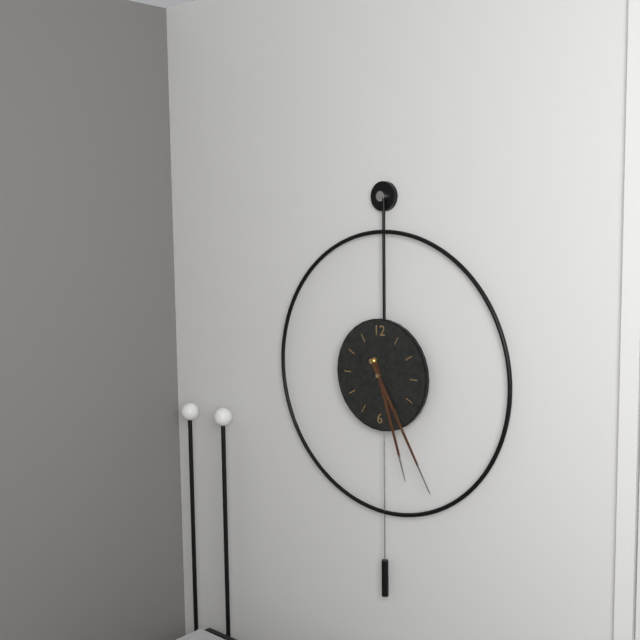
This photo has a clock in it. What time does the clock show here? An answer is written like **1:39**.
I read **5:25**
